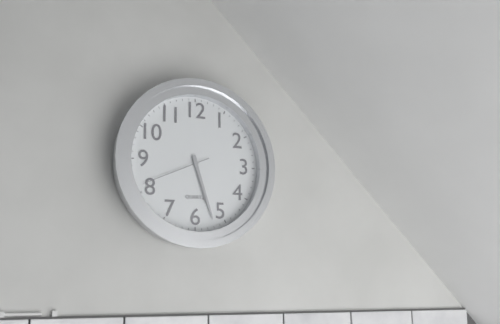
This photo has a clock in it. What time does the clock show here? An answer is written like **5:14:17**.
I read **5:27:41**
